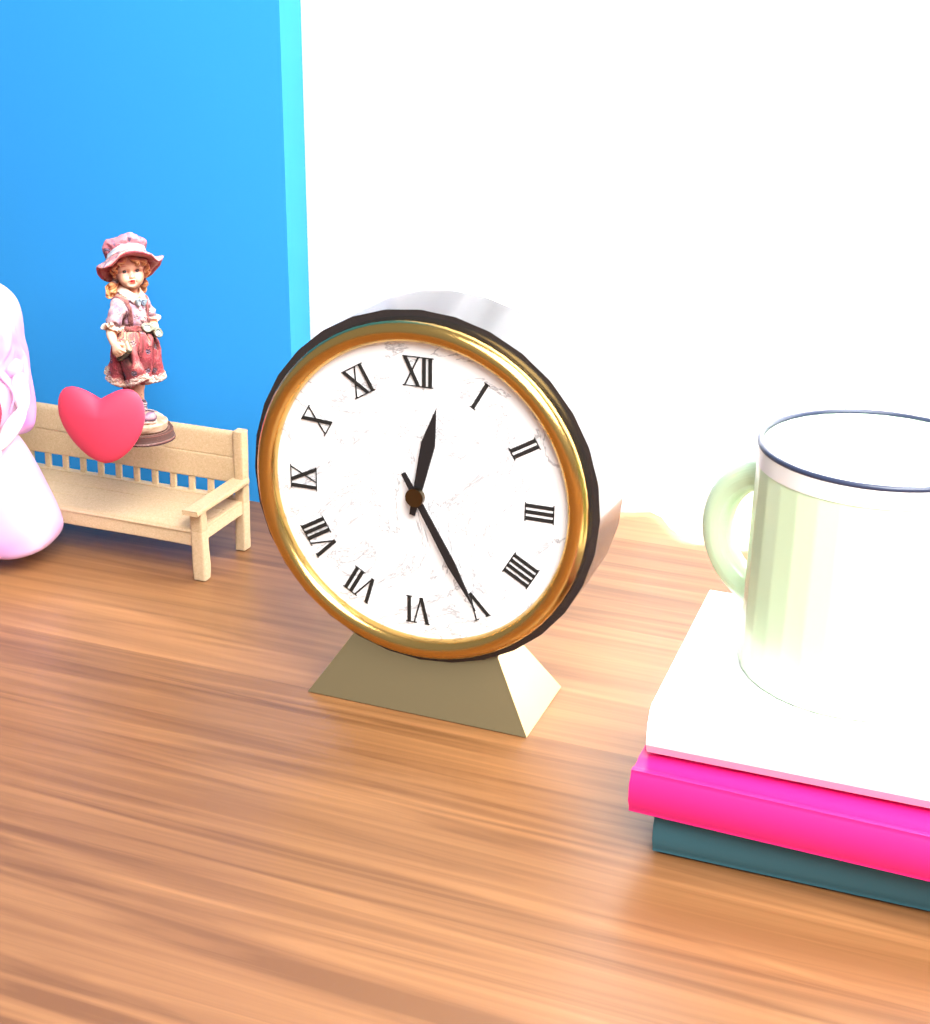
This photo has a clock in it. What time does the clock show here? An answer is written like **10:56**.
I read **12:25**
